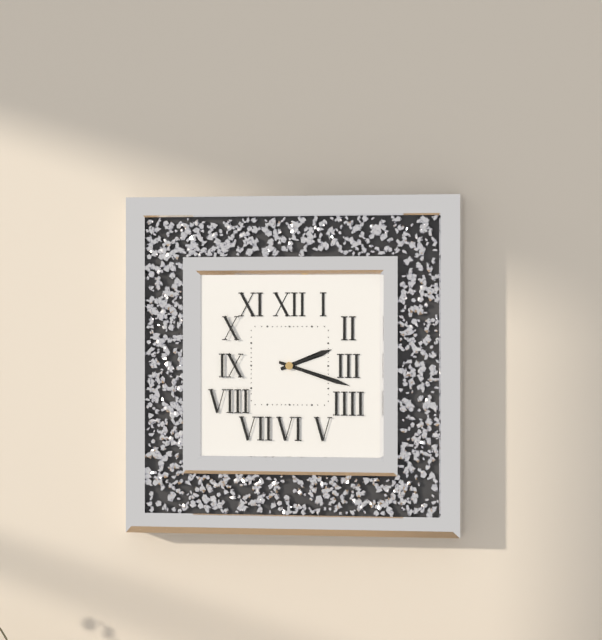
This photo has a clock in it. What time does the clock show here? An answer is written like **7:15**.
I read **2:18**
